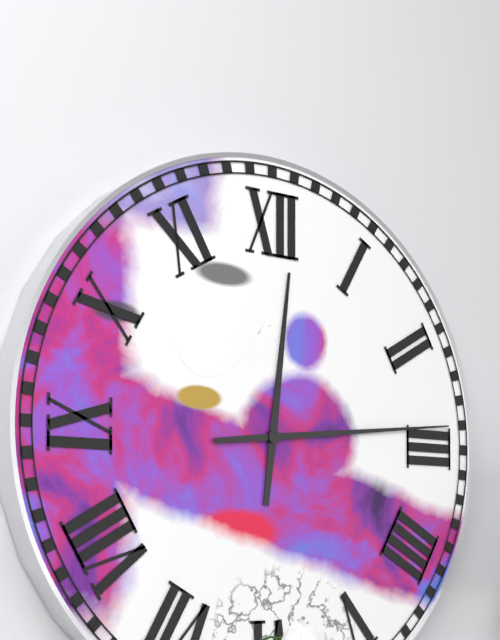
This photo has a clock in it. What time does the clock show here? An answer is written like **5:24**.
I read **12:14**
